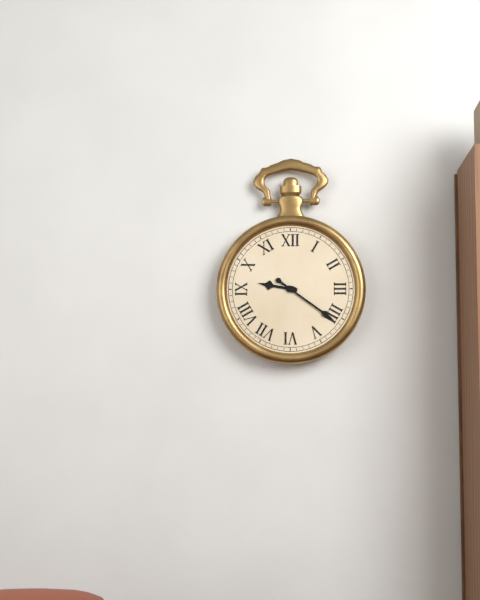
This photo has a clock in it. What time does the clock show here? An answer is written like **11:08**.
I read **9:21**
